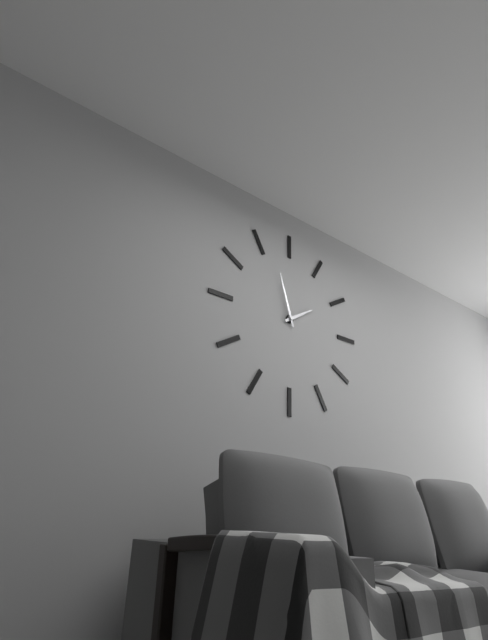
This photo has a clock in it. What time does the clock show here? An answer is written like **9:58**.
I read **1:57**
